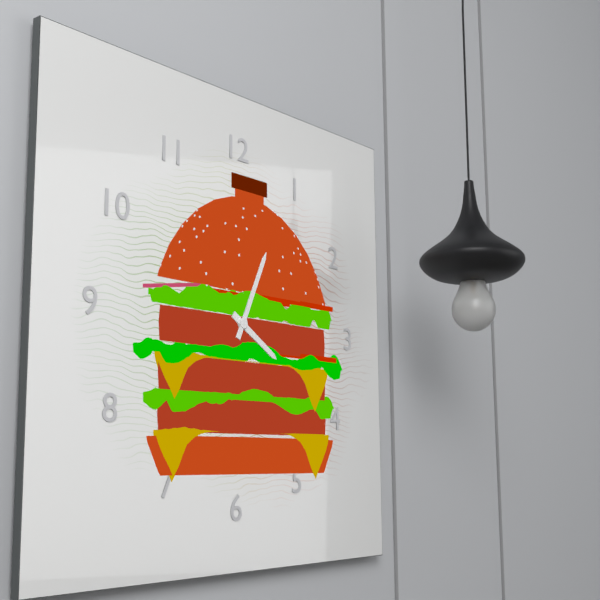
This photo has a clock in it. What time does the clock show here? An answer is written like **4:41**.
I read **4:04**
